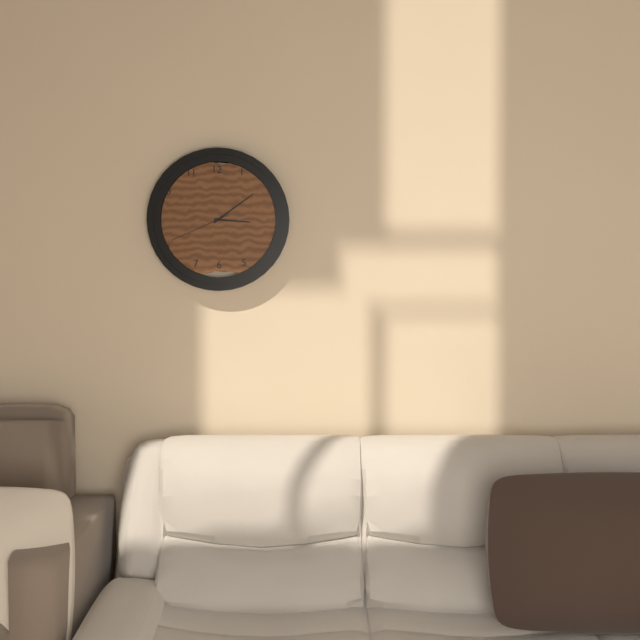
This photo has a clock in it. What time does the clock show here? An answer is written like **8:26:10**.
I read **3:09:41**
